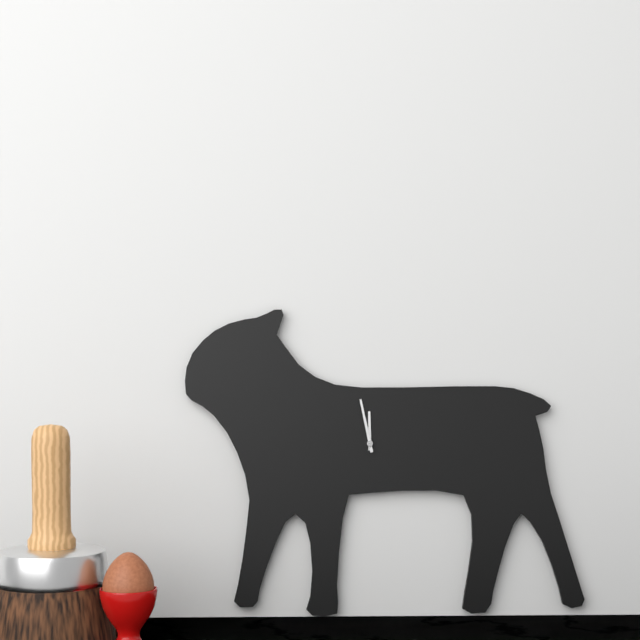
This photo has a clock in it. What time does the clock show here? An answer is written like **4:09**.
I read **11:58**
